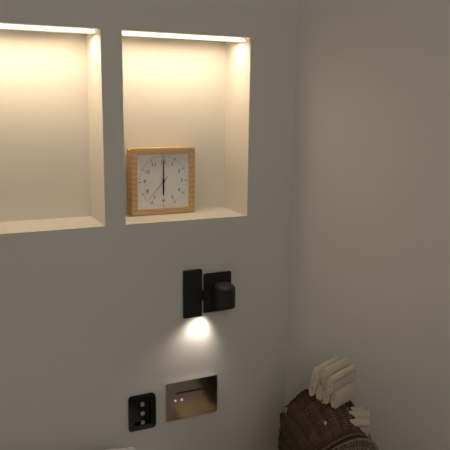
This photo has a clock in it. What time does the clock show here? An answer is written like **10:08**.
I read **6:00**
